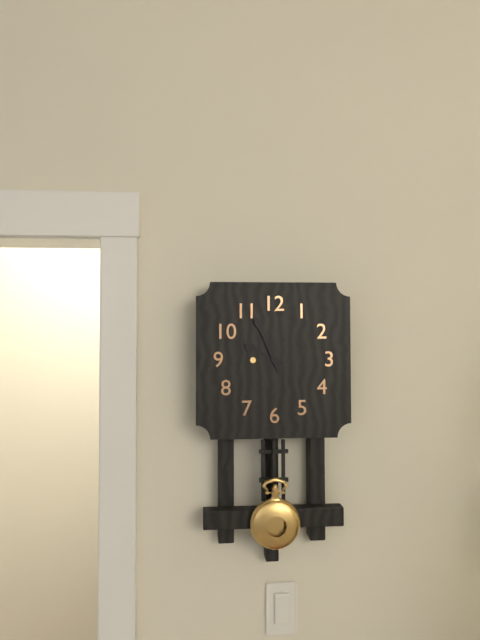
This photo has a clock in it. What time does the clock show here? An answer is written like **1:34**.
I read **9:56**
